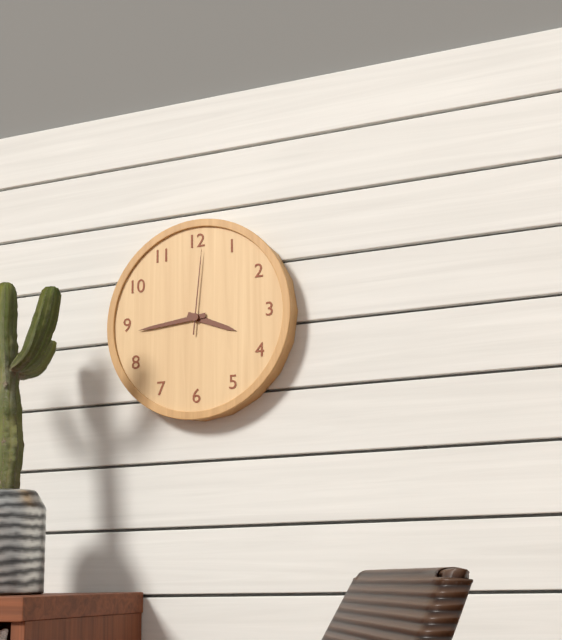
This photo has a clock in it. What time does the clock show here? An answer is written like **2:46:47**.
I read **3:44:01**
